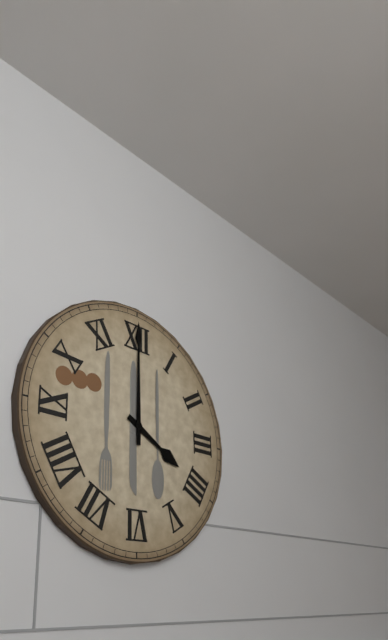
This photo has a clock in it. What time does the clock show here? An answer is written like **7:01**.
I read **4:00**
